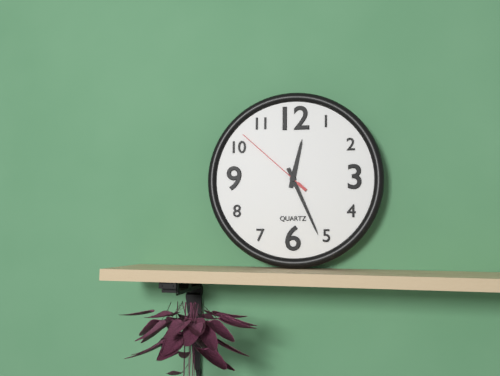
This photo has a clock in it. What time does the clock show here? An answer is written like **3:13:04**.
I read **12:26:52**
